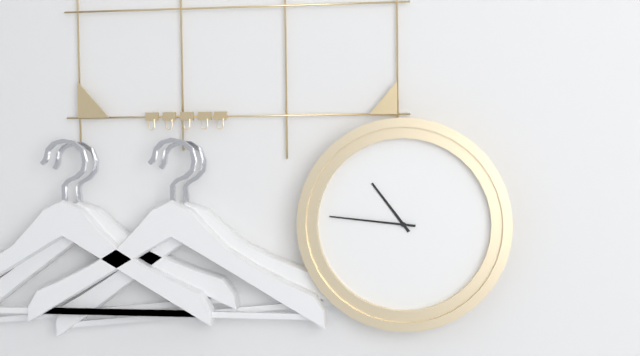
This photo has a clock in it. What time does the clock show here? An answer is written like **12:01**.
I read **10:46**
